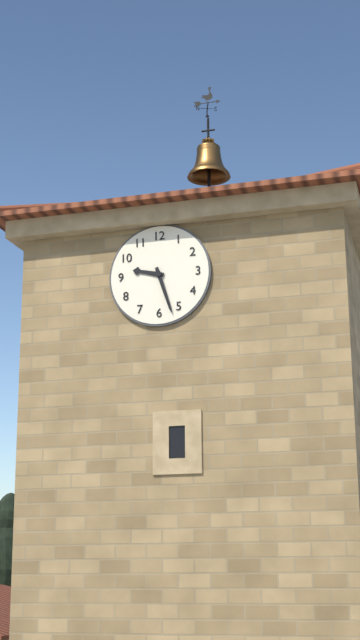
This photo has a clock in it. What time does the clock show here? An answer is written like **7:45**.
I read **9:27**
